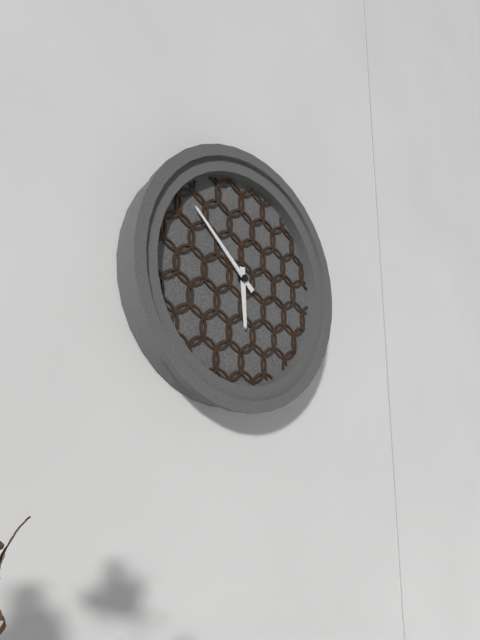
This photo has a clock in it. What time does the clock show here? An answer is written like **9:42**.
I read **5:52**
